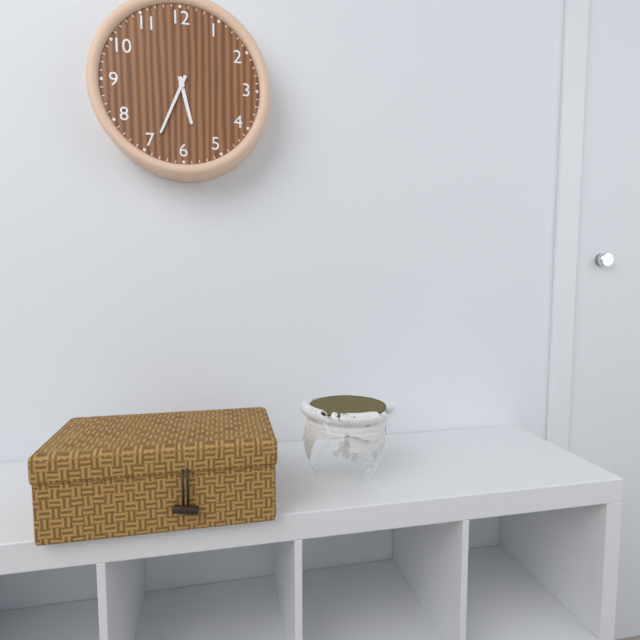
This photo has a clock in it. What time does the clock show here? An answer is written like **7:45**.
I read **5:34**
